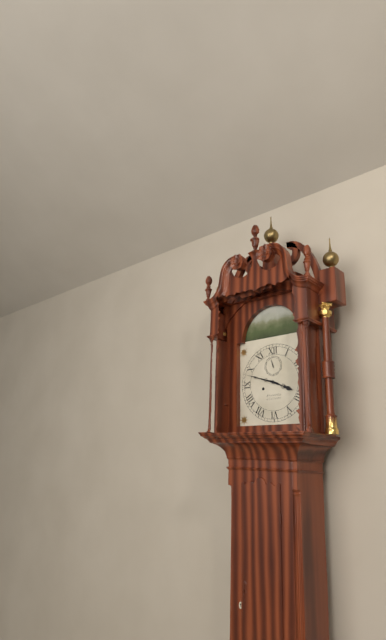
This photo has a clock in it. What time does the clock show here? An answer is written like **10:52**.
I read **3:48**
